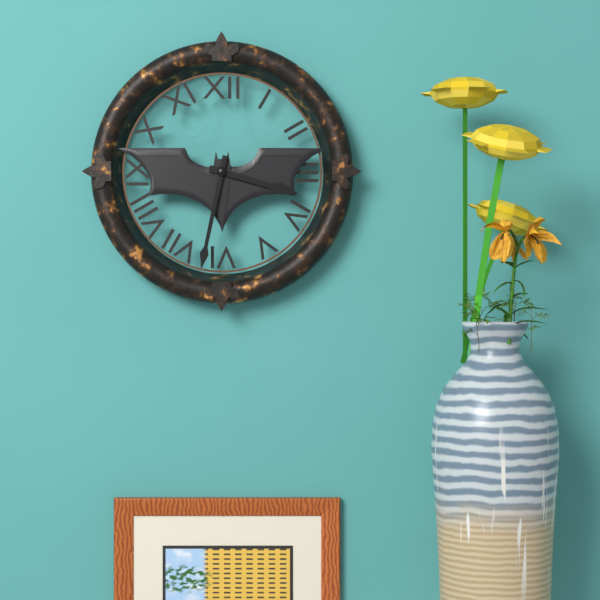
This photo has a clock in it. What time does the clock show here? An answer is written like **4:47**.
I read **3:32**
